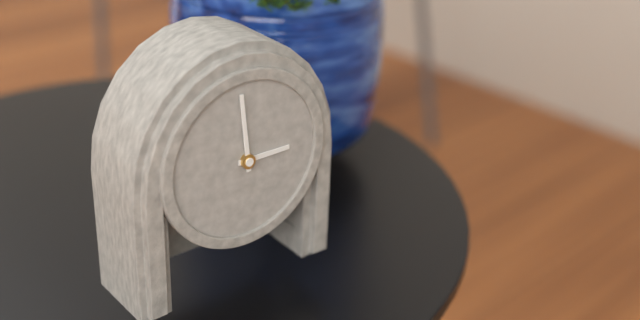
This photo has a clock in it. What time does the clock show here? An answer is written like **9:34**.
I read **2:59**
